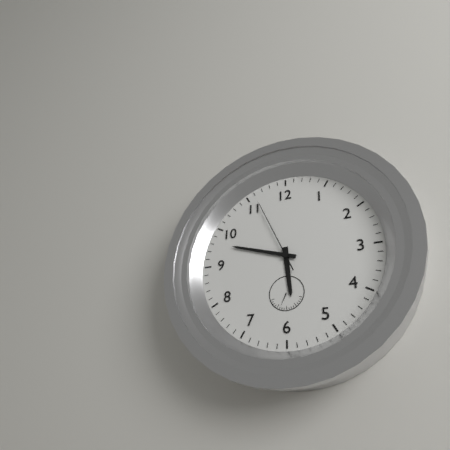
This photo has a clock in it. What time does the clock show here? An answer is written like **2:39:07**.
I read **5:48:56**
